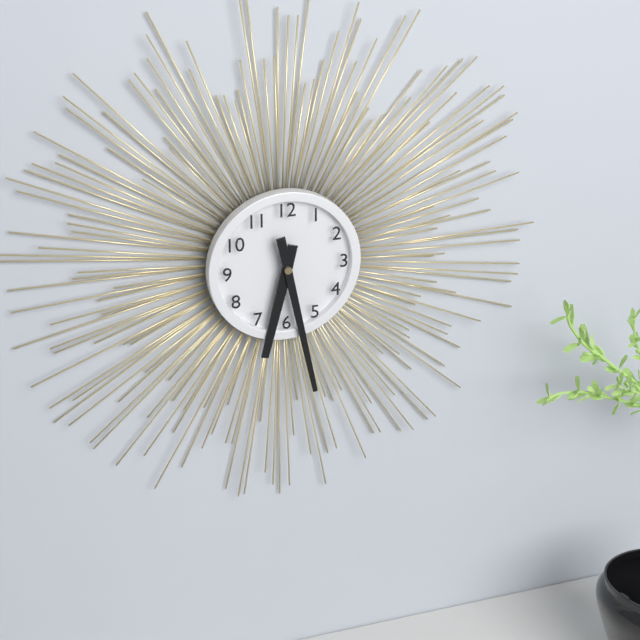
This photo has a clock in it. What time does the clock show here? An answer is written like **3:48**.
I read **6:28**
